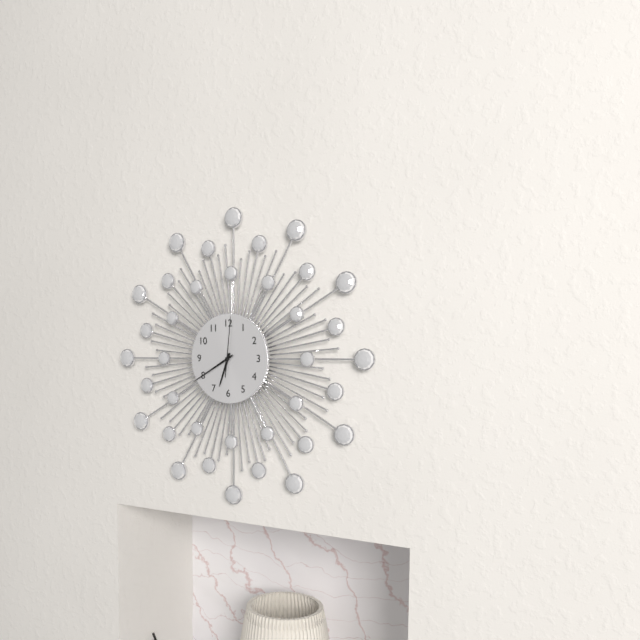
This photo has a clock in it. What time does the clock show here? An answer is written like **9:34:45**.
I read **6:40:01**
